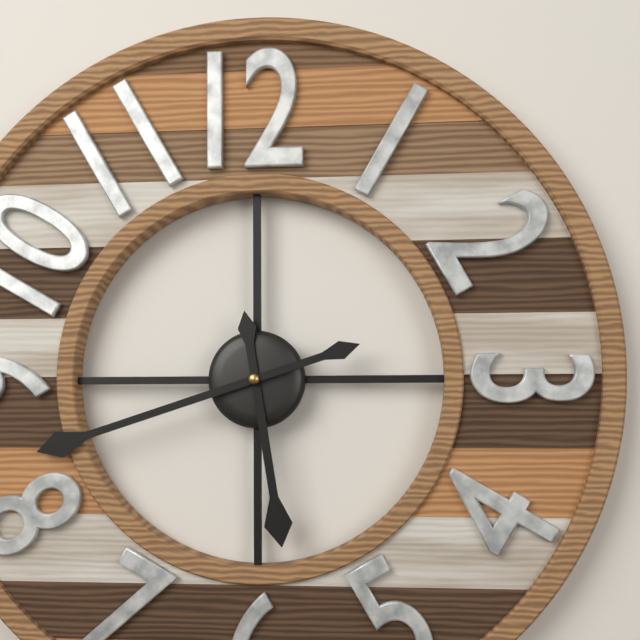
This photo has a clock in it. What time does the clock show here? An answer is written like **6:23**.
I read **5:42**
